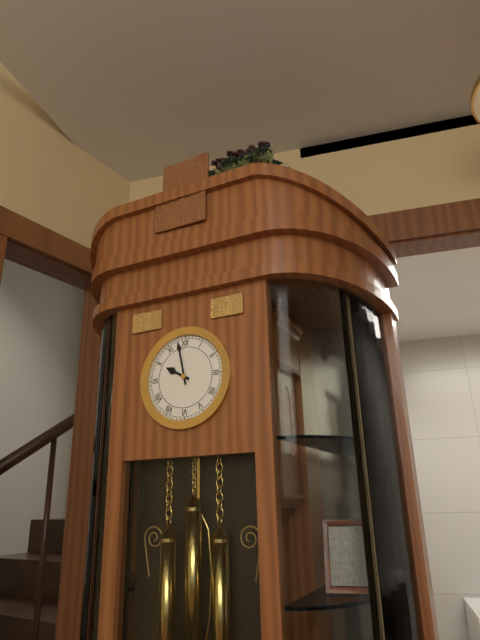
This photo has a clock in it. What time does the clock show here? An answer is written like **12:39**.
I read **9:58**
